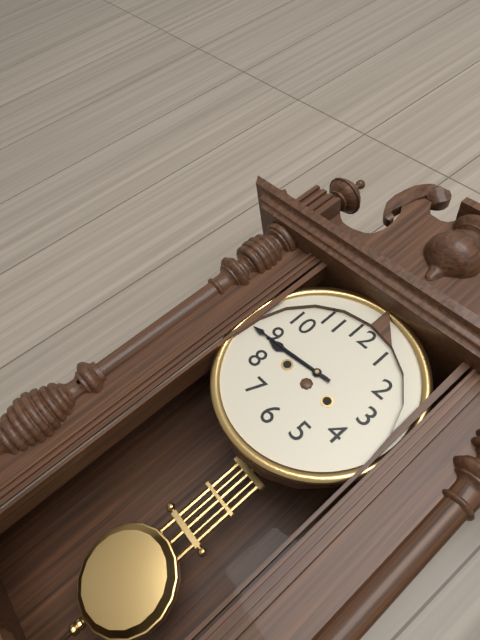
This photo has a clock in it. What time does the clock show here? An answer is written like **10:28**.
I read **8:44**
